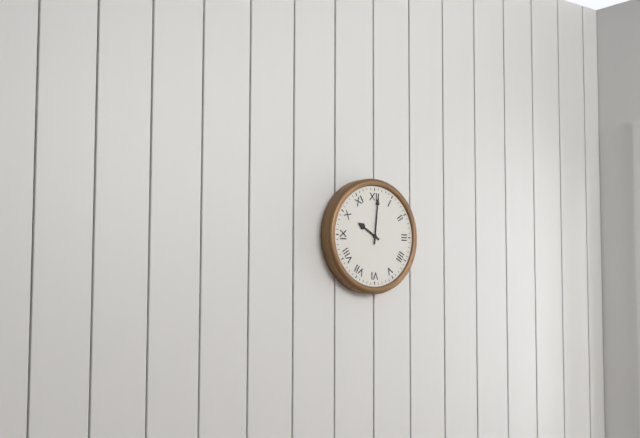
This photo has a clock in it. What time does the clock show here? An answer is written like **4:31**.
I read **10:01**
